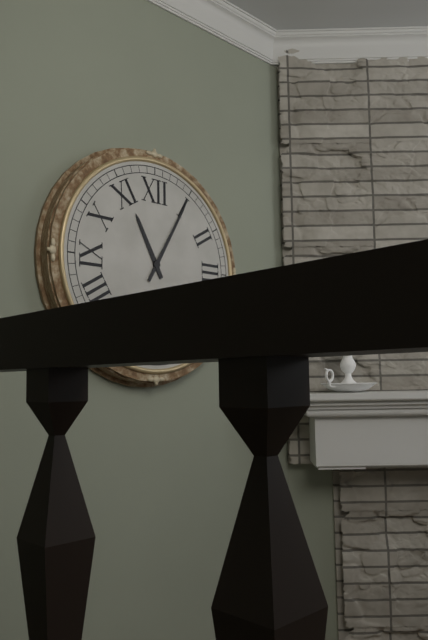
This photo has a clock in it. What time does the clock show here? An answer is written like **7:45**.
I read **11:05**
